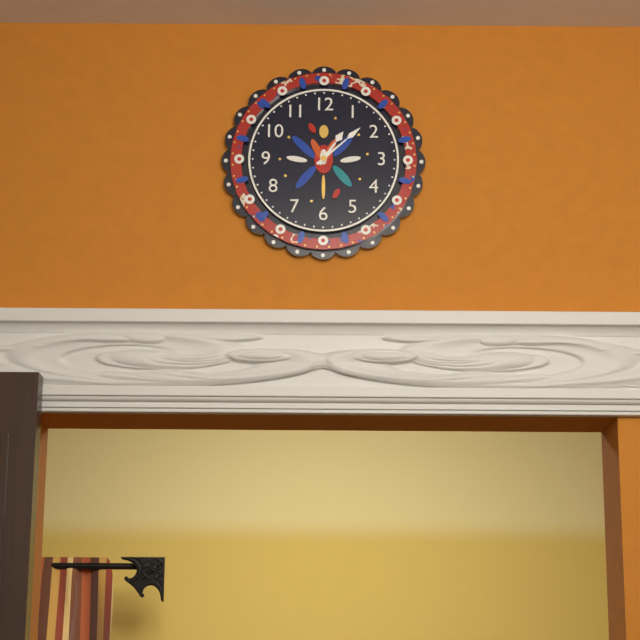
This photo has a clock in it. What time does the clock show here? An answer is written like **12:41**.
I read **1:08**
